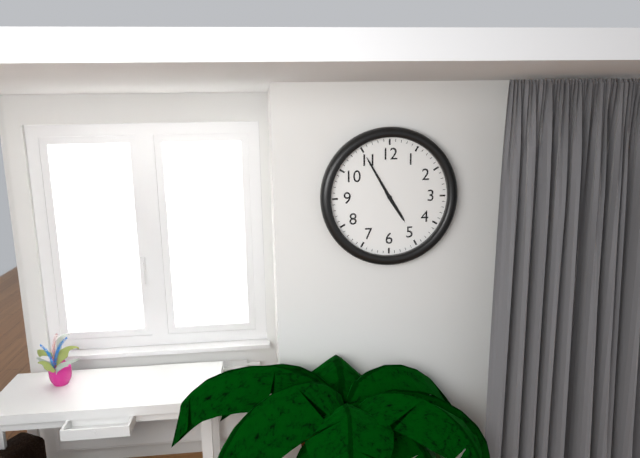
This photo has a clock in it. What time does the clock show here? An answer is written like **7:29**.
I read **4:55**
